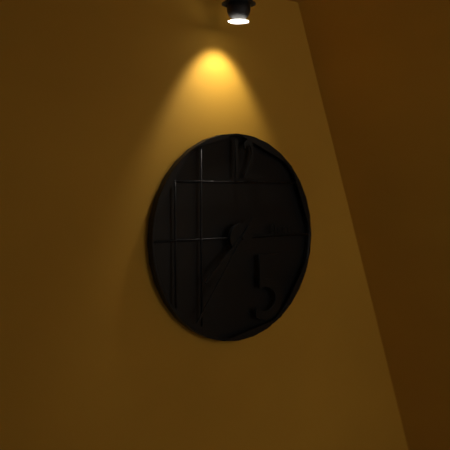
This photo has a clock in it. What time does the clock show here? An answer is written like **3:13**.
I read **7:36**
